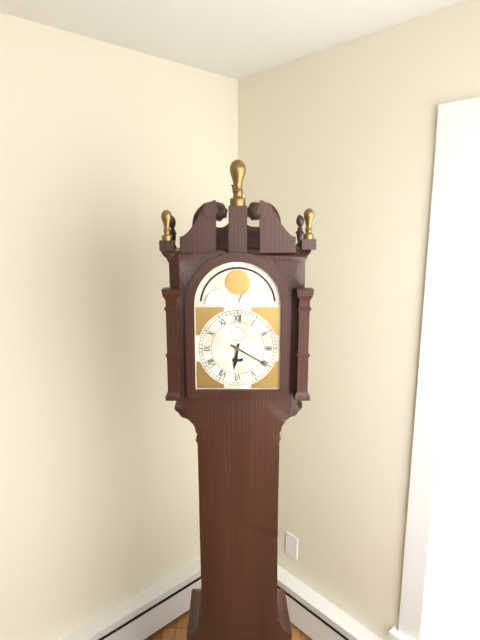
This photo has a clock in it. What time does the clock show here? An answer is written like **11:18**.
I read **6:20**
